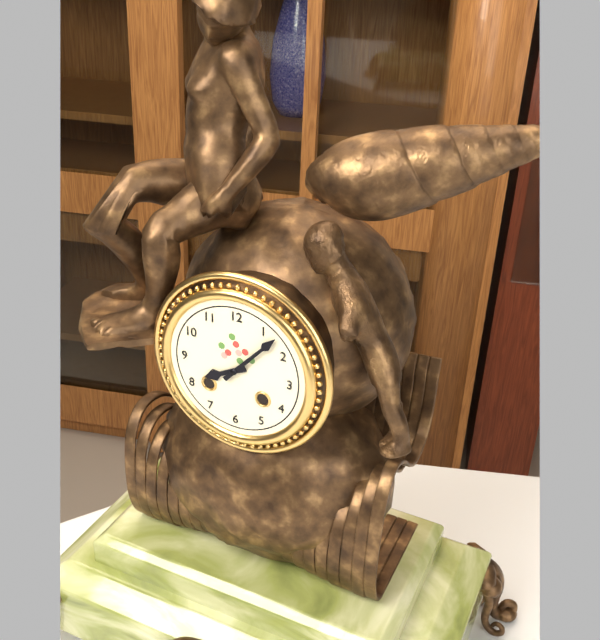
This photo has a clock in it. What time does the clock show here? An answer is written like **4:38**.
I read **8:07**
